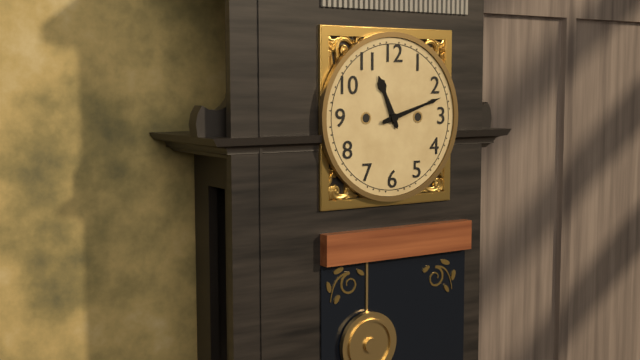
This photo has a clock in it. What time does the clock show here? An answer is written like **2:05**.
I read **11:12**
